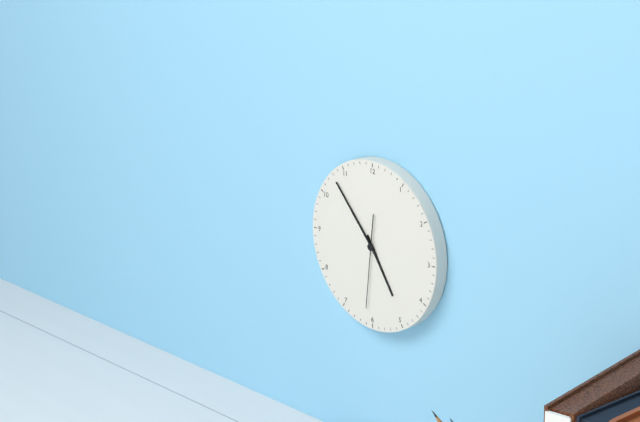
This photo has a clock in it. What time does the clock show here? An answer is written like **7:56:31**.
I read **4:53:31**
